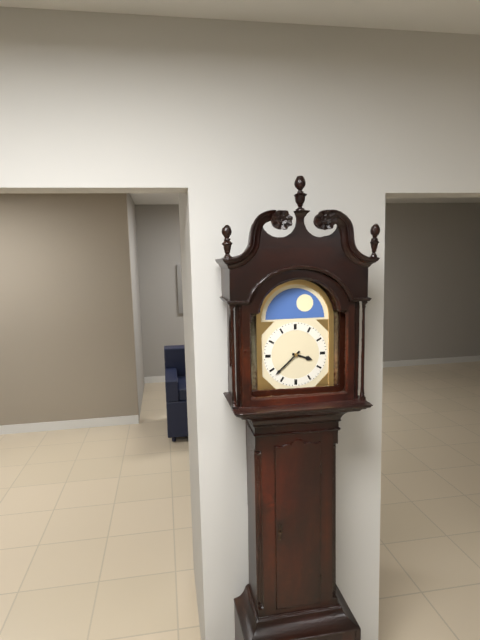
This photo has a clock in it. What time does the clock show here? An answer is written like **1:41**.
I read **3:38**
